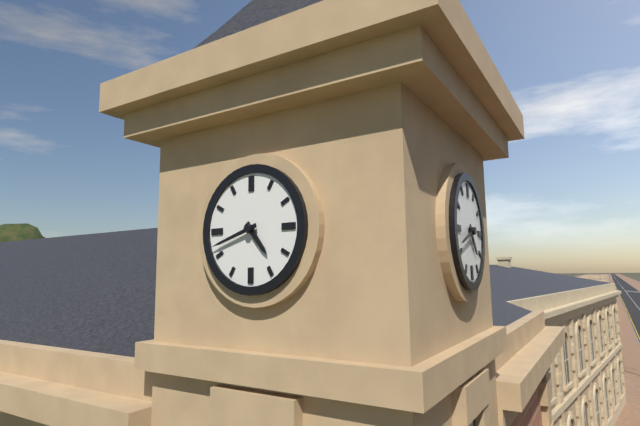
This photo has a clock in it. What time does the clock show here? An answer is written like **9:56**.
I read **4:42**
